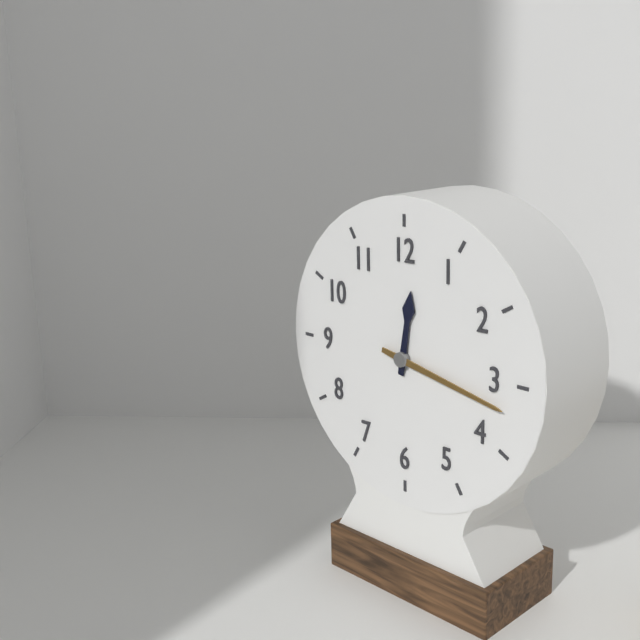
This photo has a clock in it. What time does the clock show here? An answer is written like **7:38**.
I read **12:17**
